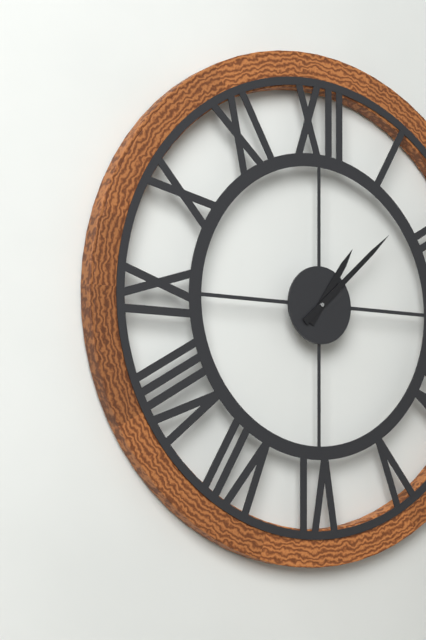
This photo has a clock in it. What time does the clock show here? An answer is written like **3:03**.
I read **1:08**
